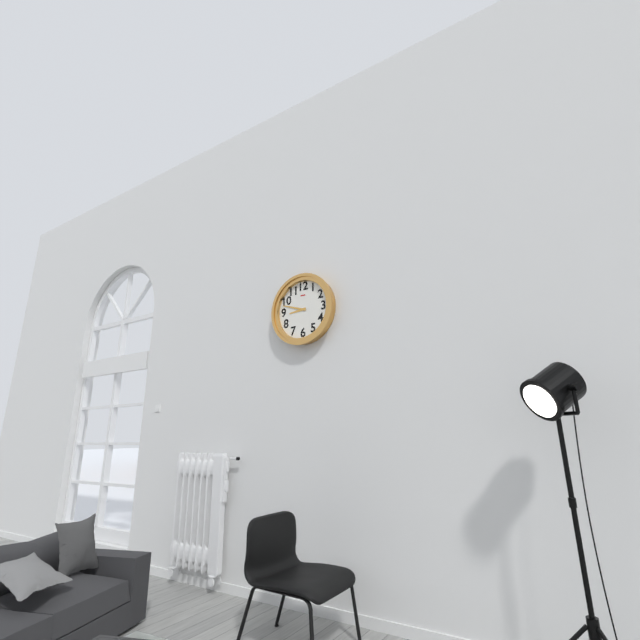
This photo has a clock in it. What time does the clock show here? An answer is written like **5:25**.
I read **8:48**
